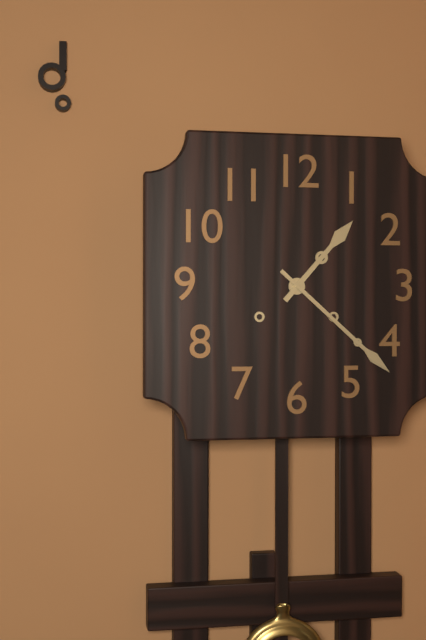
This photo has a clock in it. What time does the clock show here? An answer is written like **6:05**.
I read **1:22**
